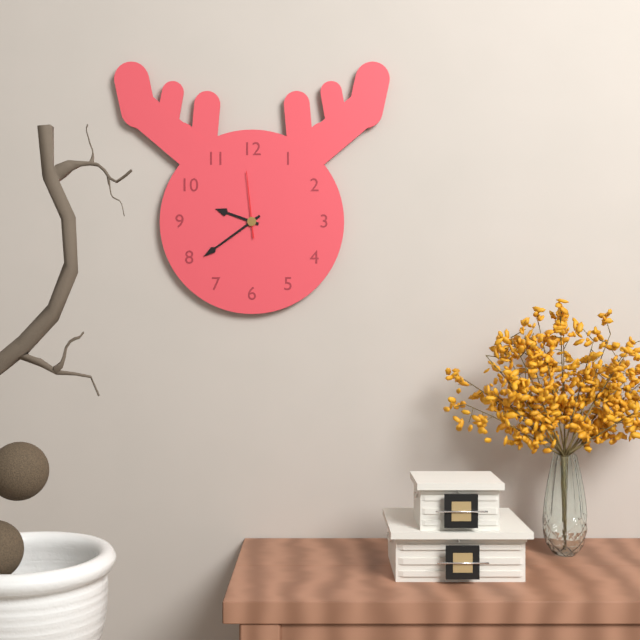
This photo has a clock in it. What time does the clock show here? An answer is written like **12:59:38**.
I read **9:39:59**
